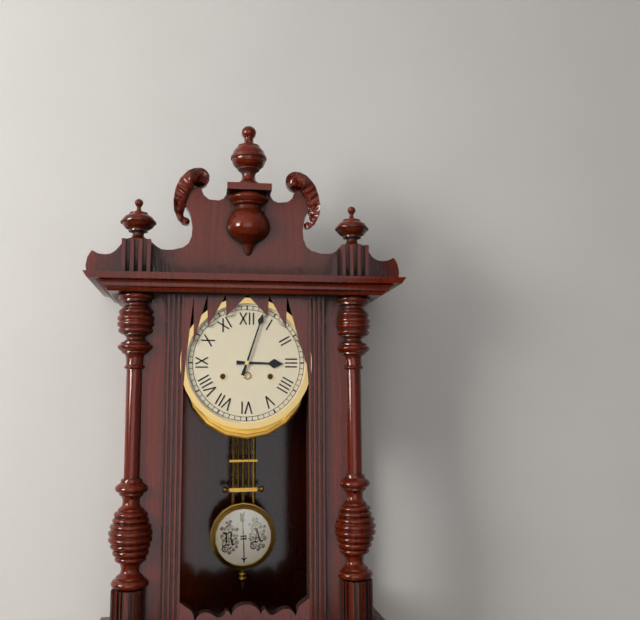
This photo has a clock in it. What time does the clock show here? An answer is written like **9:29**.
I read **3:03**
